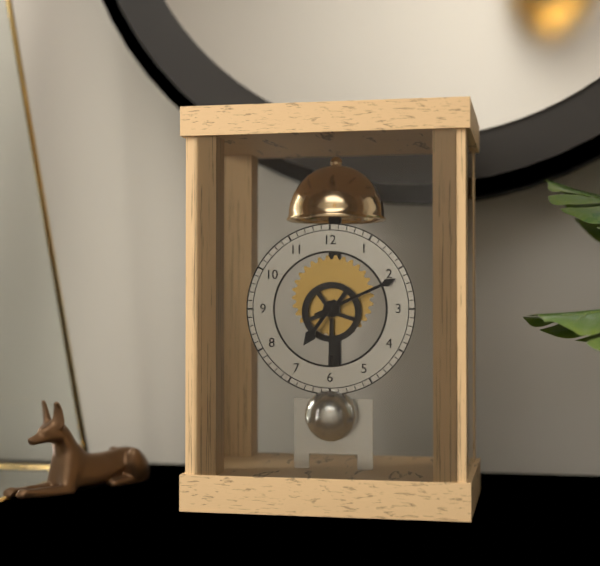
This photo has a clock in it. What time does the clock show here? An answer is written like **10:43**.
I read **7:11**
